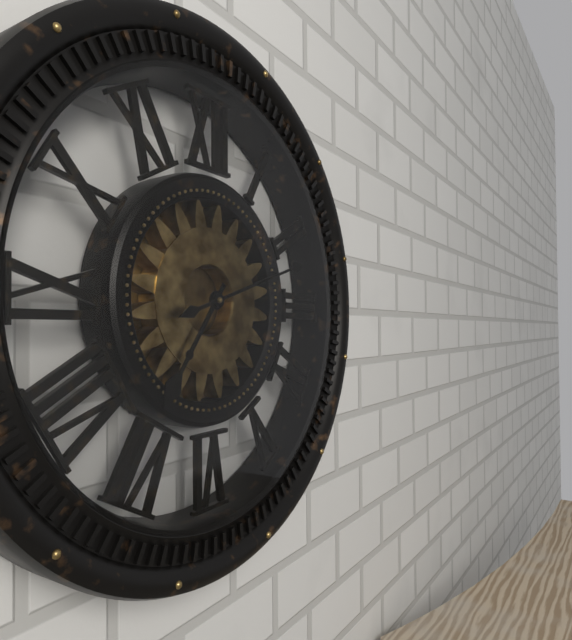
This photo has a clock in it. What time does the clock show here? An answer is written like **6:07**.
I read **7:12**
